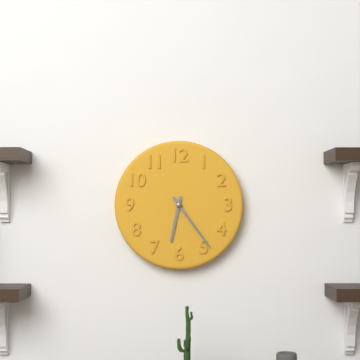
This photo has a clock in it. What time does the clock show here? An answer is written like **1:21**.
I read **6:24**
